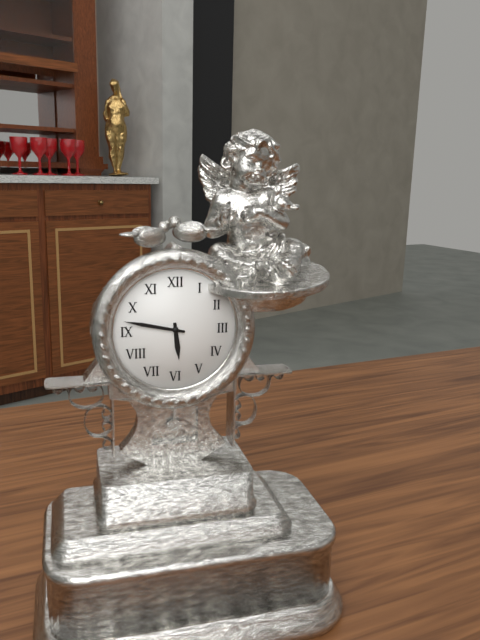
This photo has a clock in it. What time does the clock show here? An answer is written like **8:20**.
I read **5:47**
